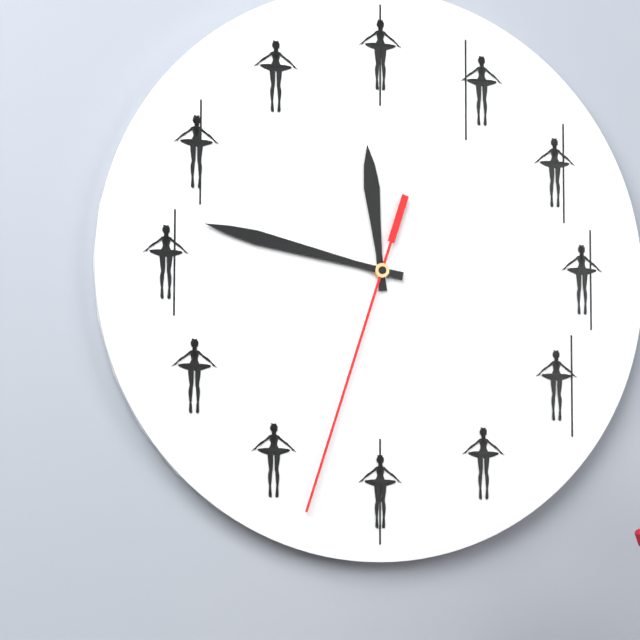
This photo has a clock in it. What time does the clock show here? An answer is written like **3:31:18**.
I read **11:47:33**
